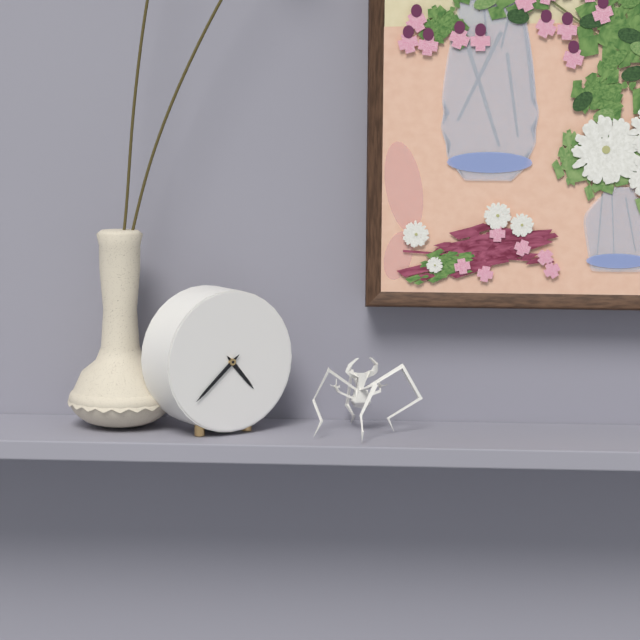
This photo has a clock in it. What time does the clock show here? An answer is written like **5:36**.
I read **4:38**
